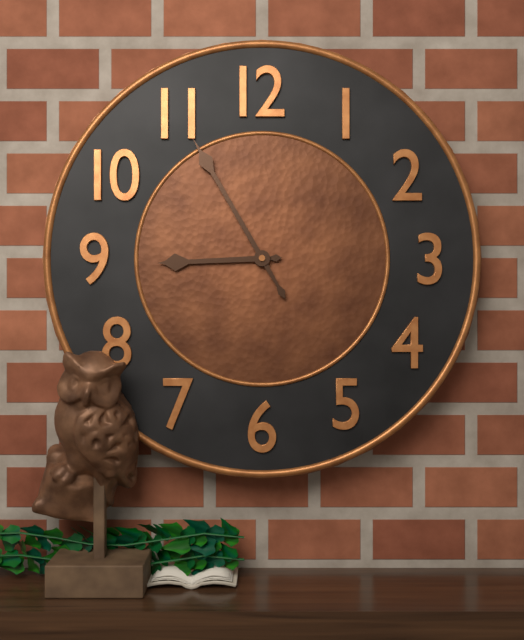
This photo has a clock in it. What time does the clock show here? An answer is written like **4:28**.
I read **8:55**
